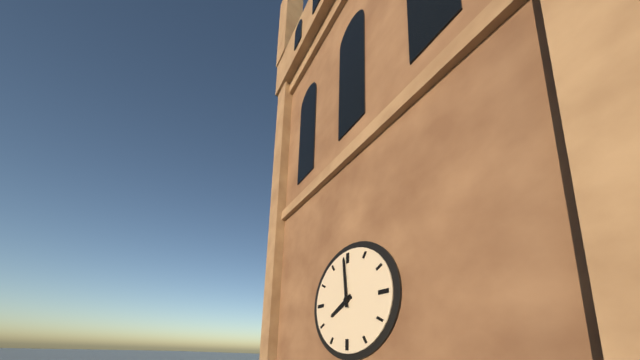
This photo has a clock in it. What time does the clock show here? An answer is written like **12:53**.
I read **7:59**
